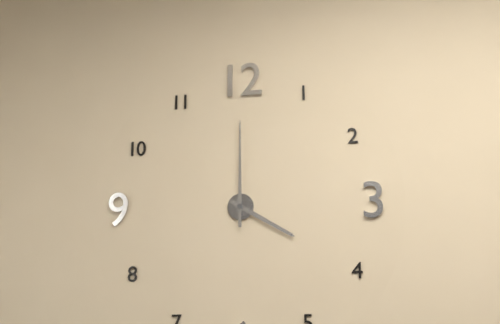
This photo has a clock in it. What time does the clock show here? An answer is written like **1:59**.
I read **4:00**
